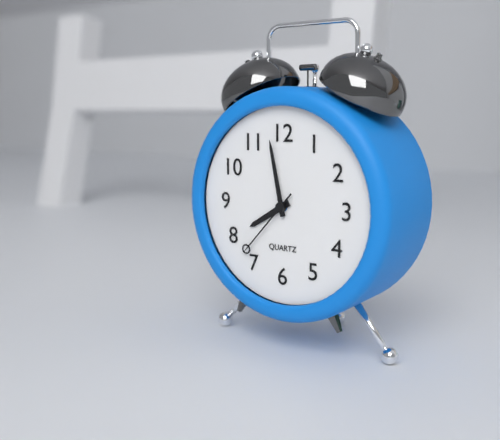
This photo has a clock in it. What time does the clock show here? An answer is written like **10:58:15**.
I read **7:58:37**
